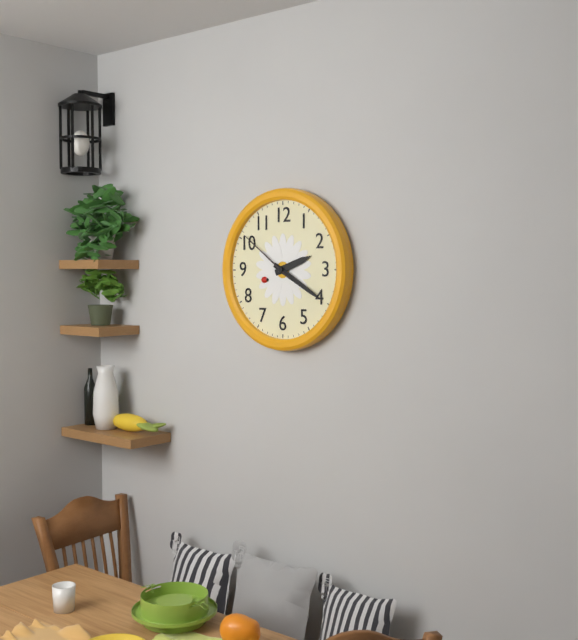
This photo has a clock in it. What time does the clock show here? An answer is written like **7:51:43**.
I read **2:20:51**
